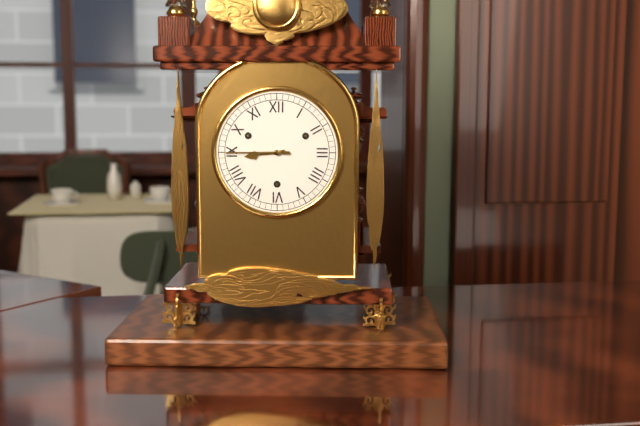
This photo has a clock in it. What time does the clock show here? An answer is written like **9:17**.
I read **8:45**
